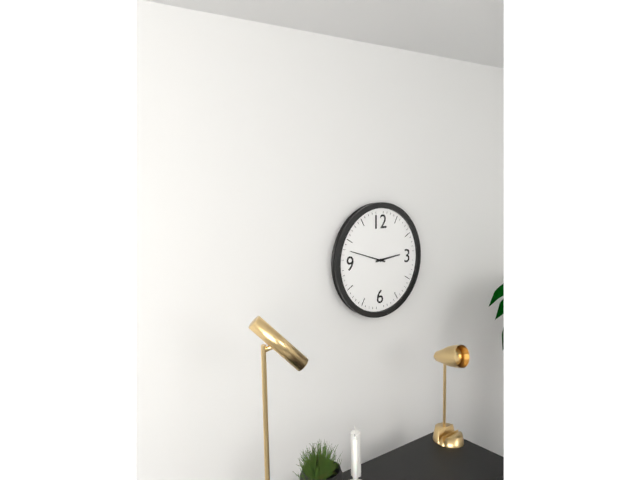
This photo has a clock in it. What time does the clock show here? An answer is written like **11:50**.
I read **2:48**
